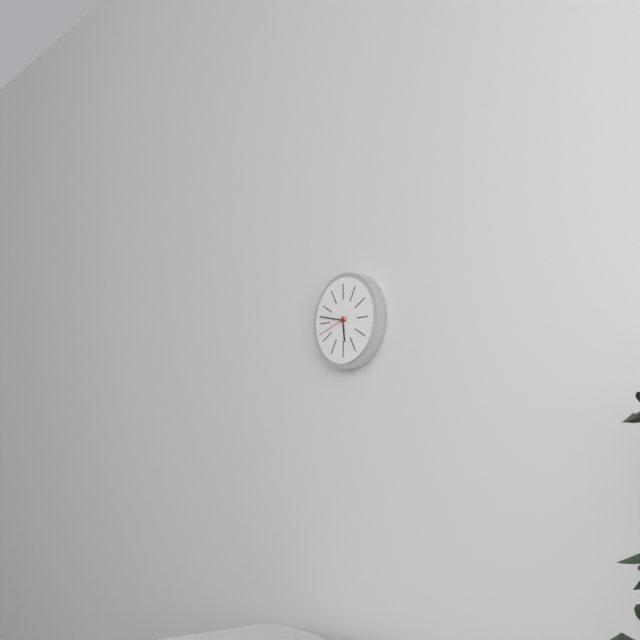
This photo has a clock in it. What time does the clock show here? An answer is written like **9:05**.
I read **5:47**
